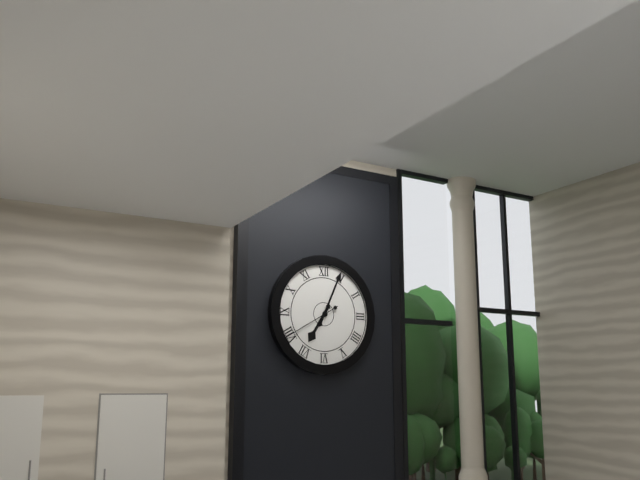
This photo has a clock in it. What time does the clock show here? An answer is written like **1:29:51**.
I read **7:04:40**
